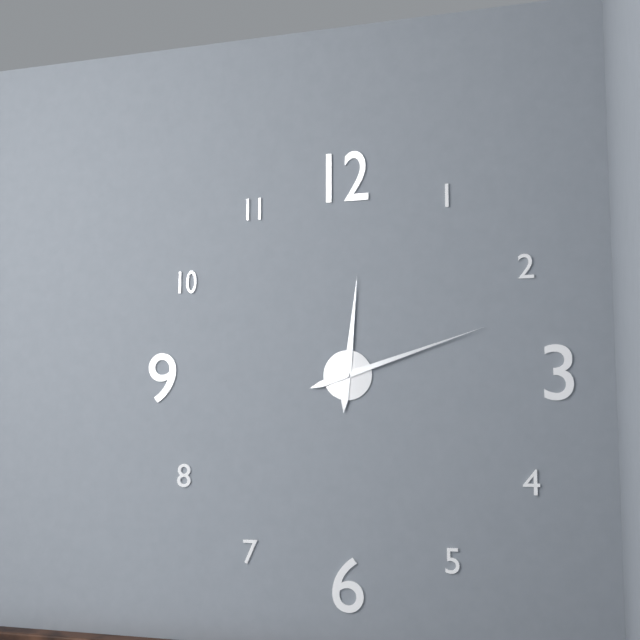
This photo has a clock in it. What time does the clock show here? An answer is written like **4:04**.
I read **12:12**
